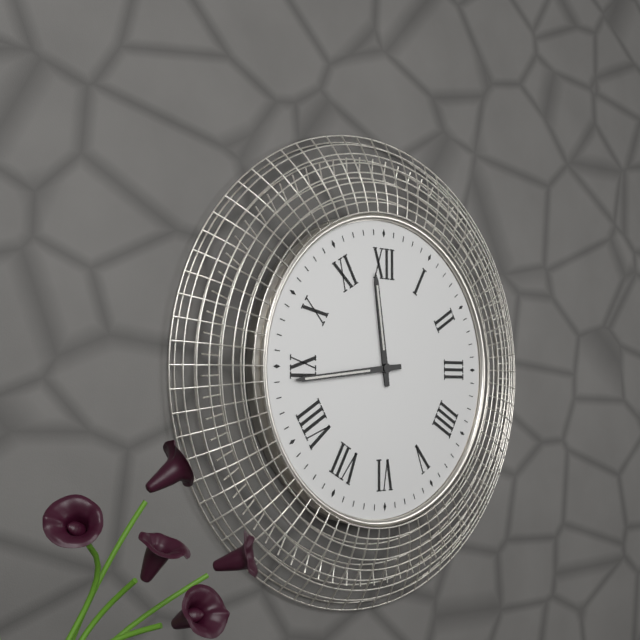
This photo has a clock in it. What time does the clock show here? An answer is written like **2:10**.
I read **11:44**
